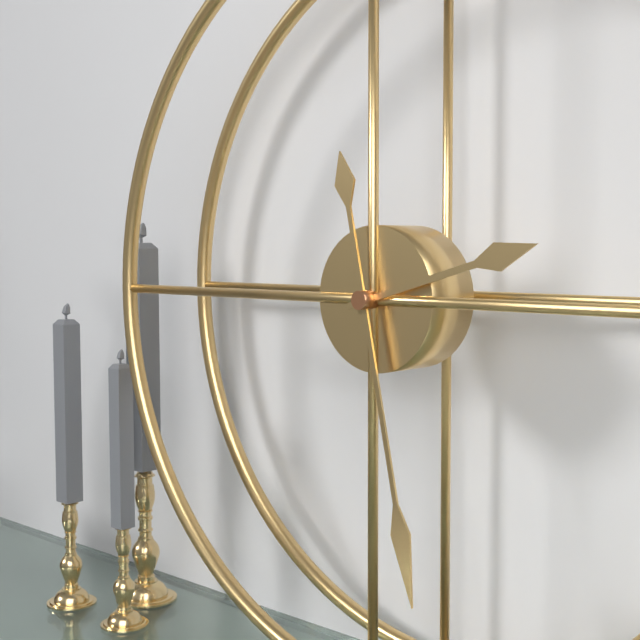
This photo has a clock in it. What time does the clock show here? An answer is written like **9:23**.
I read **2:28**
